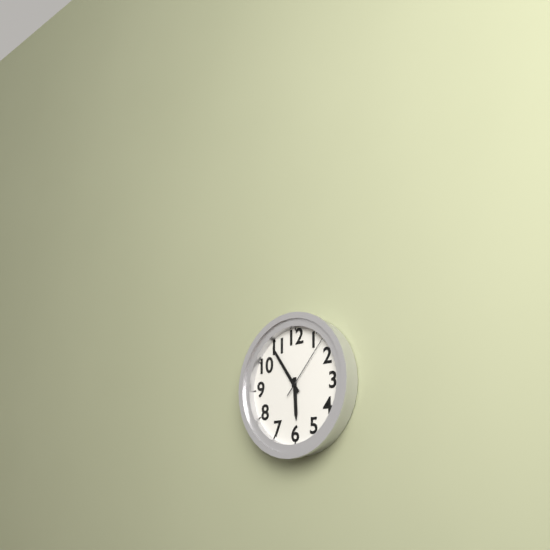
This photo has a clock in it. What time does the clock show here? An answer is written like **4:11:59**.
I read **5:54:07**
